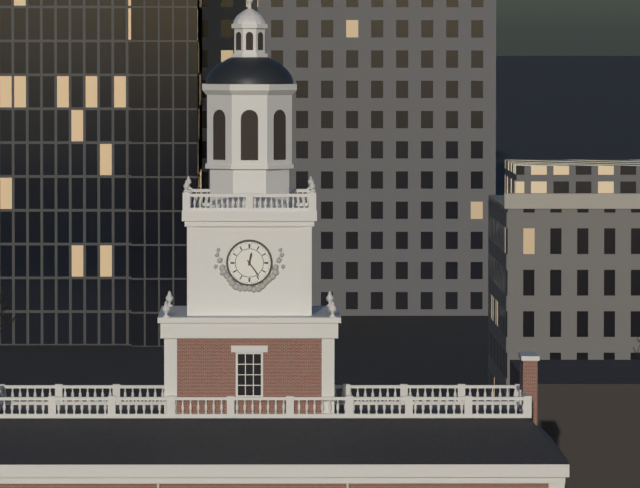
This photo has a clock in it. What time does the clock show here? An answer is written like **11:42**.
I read **12:24**
